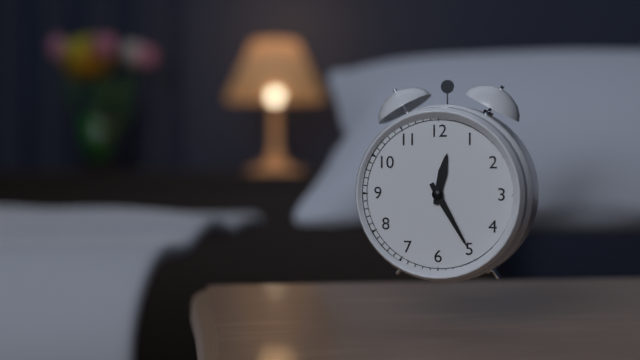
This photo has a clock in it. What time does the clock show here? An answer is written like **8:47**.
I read **12:25**
